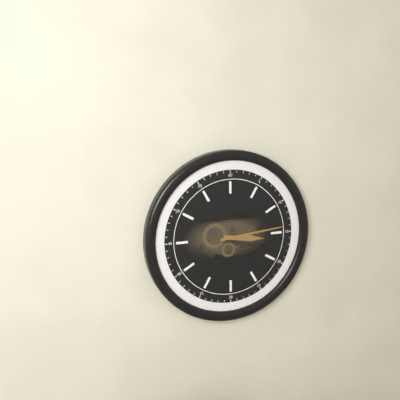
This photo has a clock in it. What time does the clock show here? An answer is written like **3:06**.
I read **3:14**
